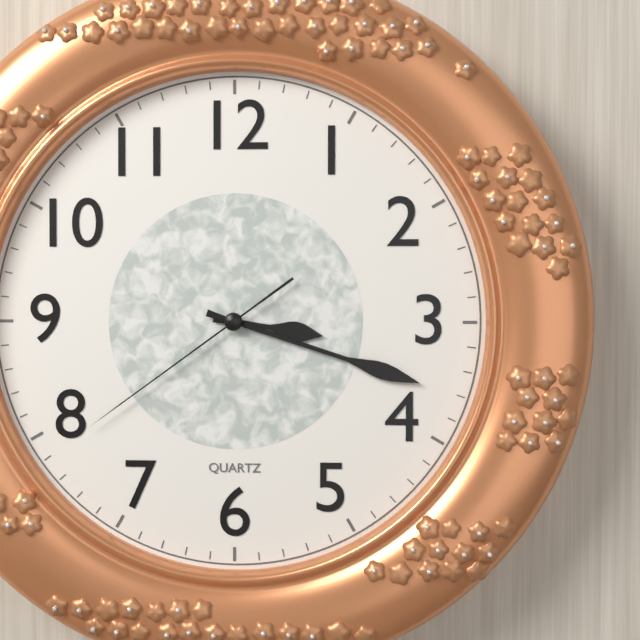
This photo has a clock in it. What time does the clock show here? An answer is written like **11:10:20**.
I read **3:18:39**
